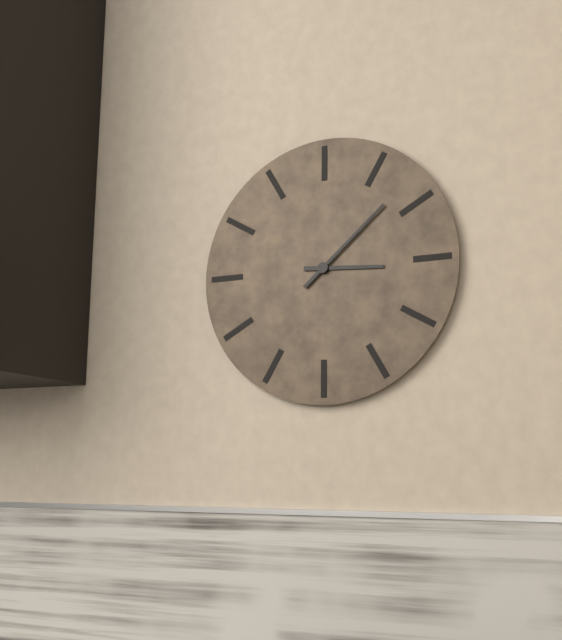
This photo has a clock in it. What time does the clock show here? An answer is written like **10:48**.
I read **3:08**
